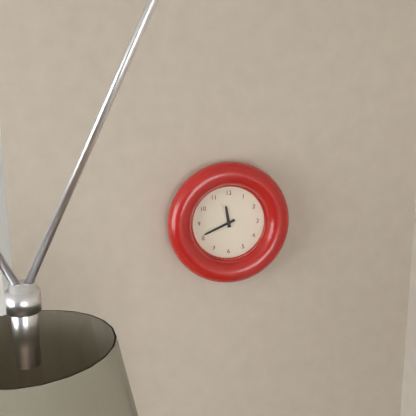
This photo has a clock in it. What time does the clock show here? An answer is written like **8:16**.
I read **11:41**
